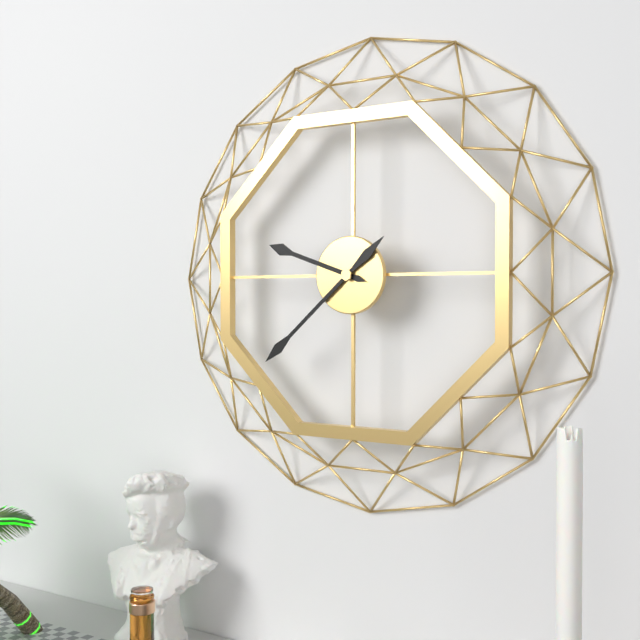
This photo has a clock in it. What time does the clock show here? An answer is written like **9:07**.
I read **9:38**
